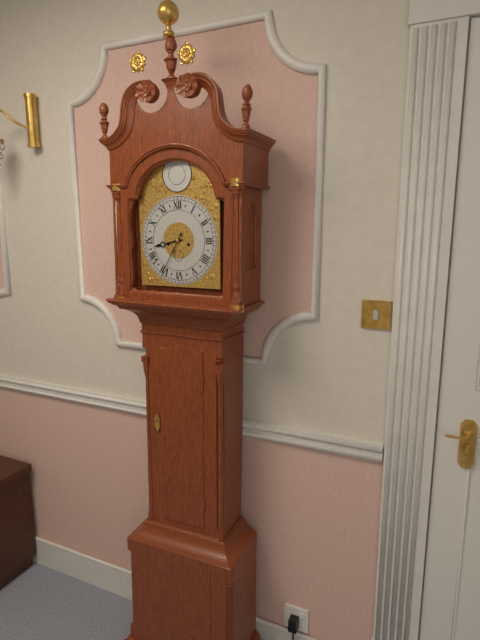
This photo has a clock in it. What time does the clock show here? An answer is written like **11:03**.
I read **8:35**
